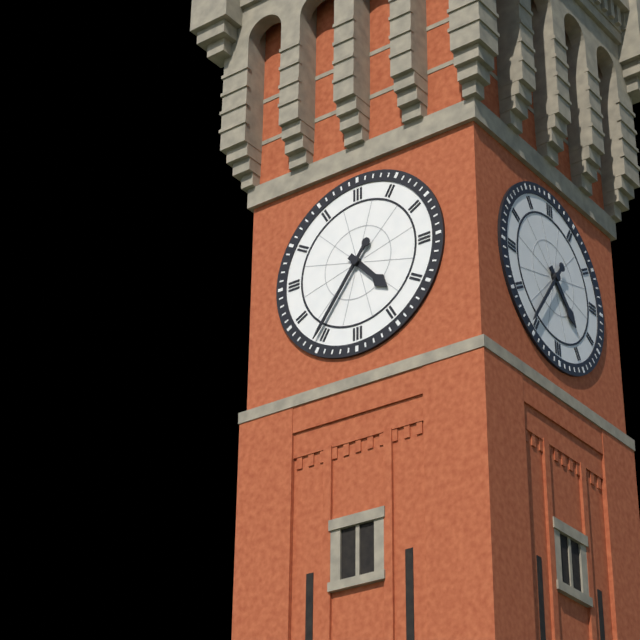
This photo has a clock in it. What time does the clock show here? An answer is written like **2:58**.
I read **4:36**
